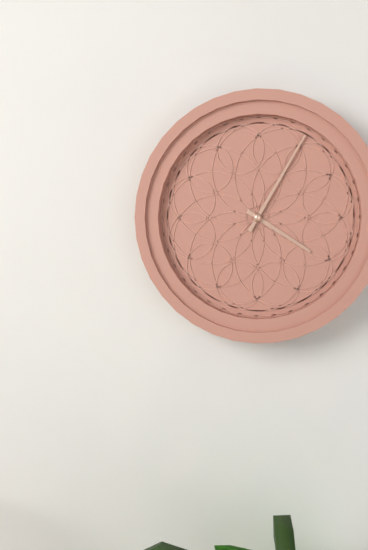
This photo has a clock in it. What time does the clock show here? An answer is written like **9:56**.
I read **4:05**
